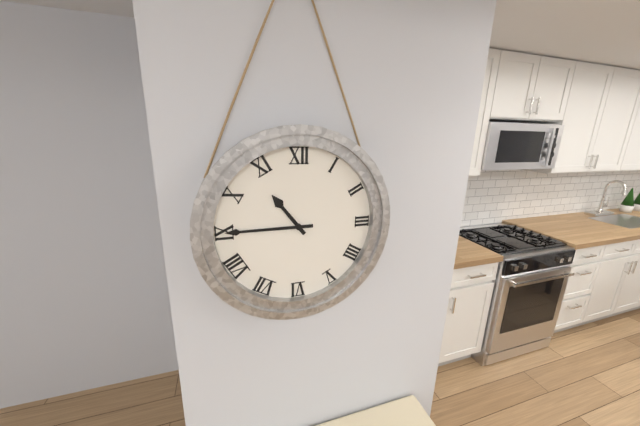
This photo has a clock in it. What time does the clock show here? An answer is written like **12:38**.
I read **10:45**
